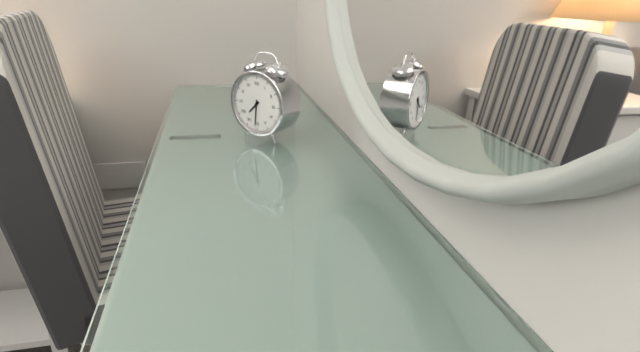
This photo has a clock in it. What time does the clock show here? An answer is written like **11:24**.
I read **7:31**
